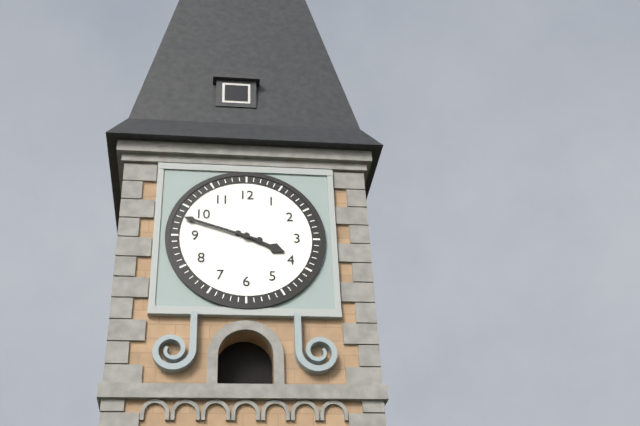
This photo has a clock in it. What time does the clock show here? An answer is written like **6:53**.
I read **3:48**
